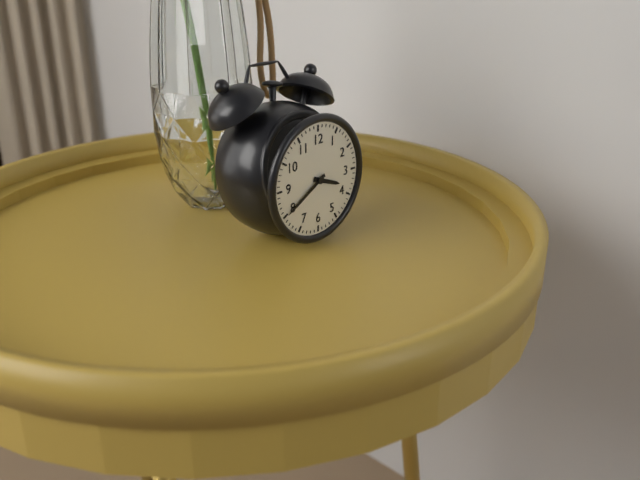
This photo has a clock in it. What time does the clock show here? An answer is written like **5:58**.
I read **3:40**
